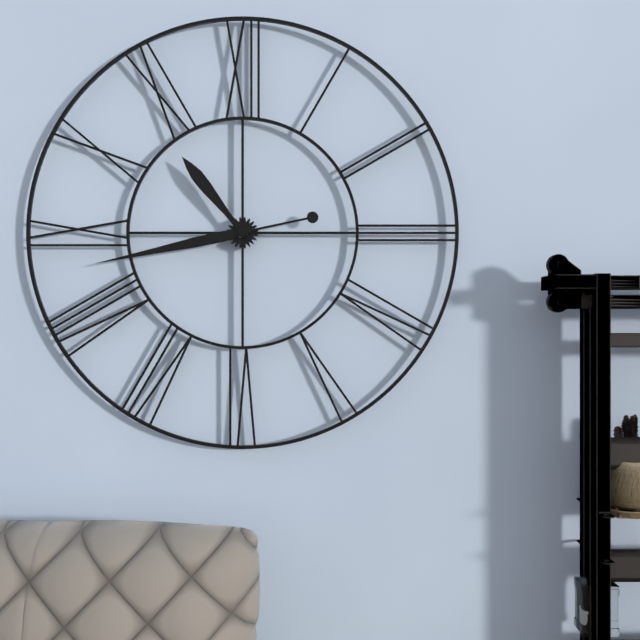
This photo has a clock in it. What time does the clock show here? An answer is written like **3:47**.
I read **10:43**
